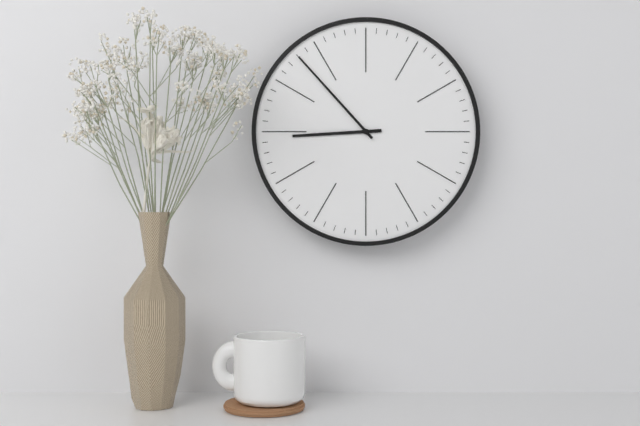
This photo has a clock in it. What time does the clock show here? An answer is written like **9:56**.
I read **8:53**
